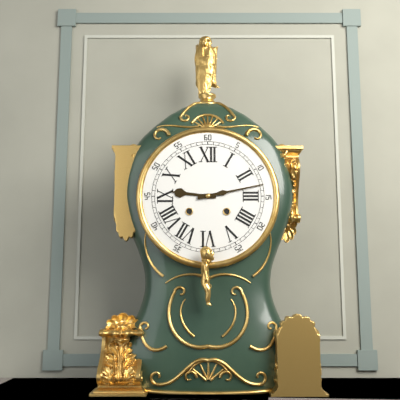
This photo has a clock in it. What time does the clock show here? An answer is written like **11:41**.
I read **9:13**
